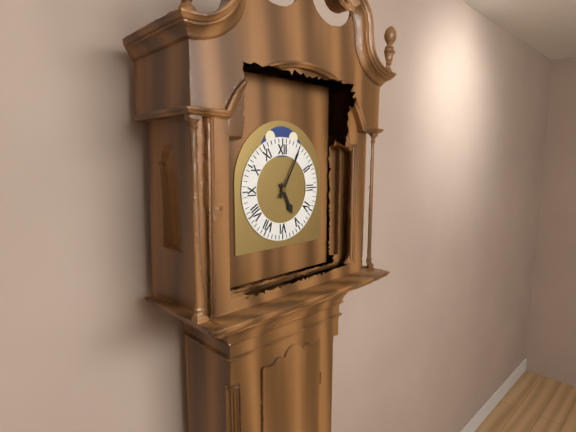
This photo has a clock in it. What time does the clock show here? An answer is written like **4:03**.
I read **5:05**
